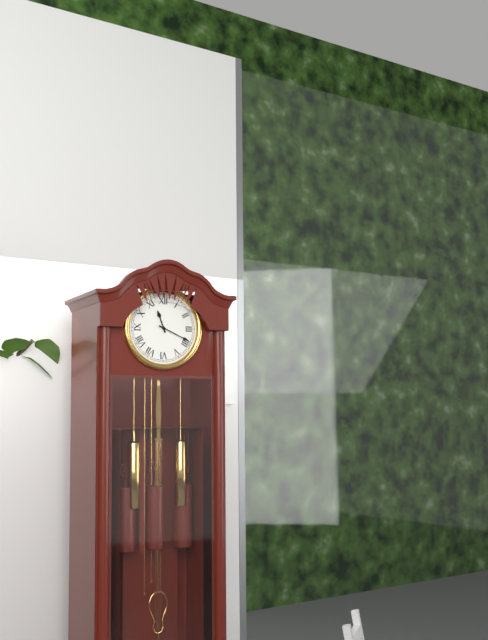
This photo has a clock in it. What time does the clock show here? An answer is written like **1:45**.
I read **11:19**
